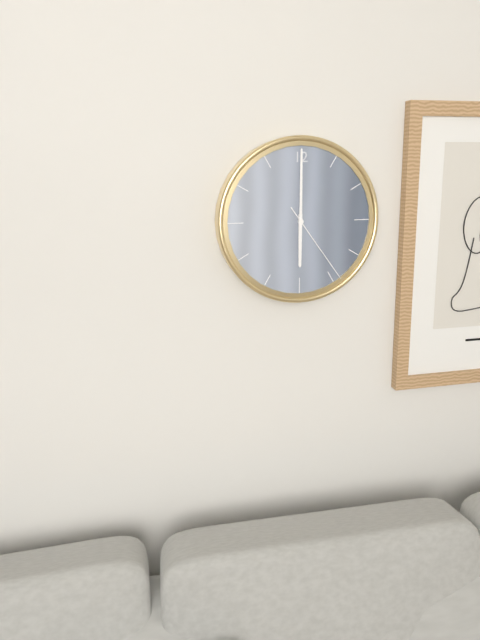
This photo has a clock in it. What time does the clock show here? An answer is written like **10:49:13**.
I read **6:00:24**
